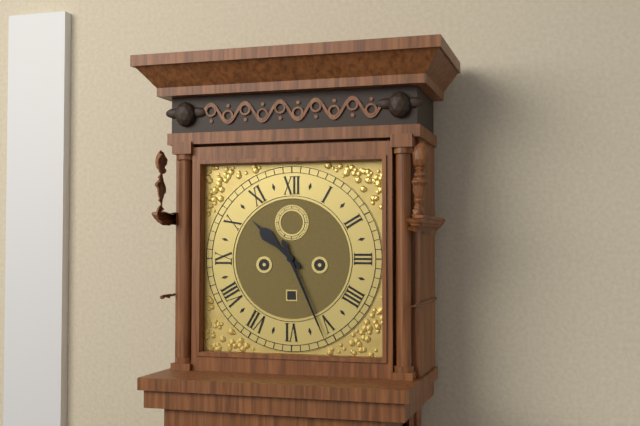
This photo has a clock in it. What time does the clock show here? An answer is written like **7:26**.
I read **10:26**
